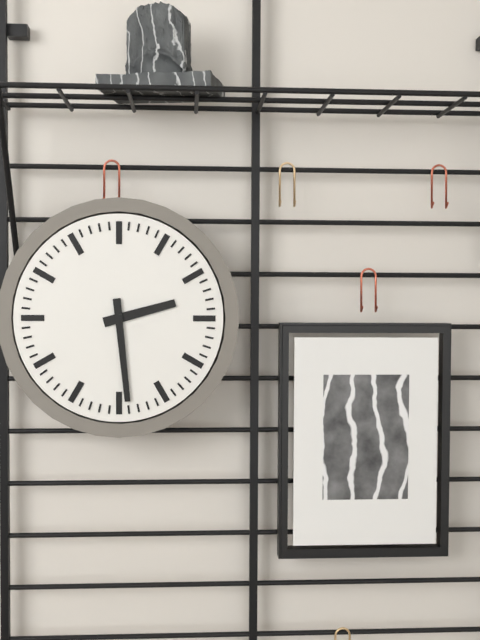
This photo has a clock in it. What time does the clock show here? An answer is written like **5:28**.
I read **2:29**
